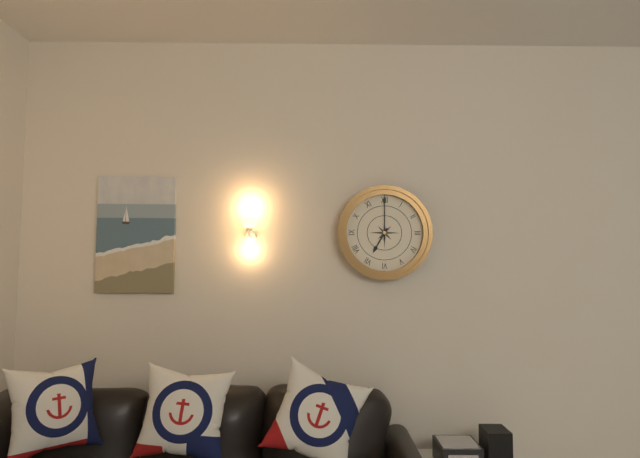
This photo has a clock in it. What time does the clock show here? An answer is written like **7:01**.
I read **7:00**
